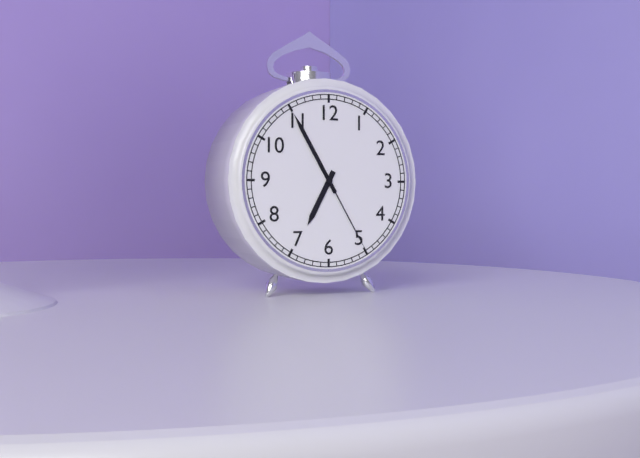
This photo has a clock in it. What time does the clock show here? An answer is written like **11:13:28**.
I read **6:55:25**
